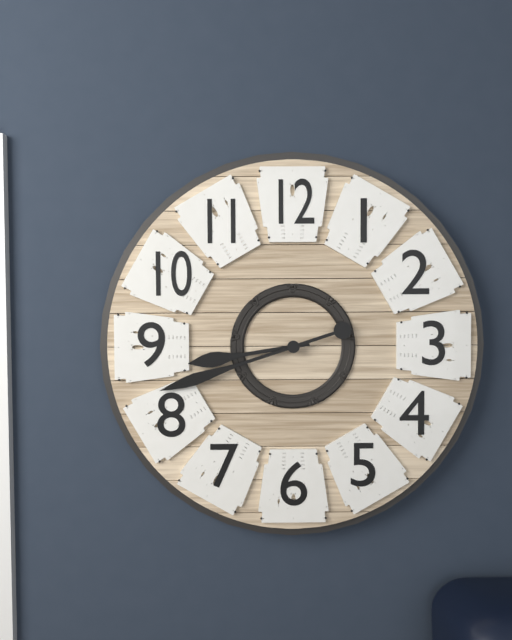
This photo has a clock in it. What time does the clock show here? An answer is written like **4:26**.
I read **8:42**
